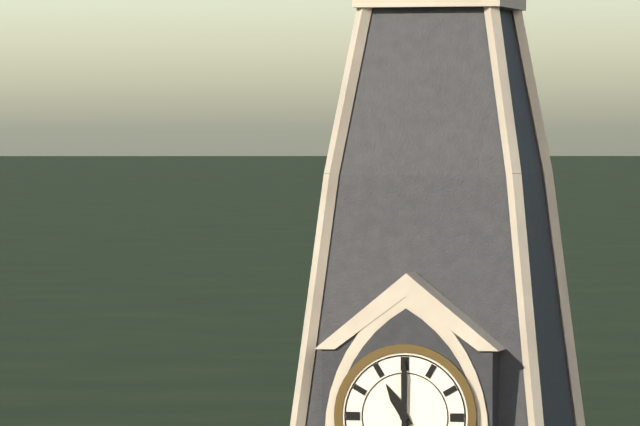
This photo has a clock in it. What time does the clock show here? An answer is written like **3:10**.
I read **11:00**
